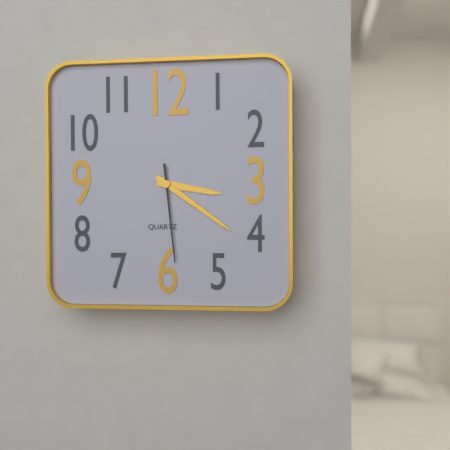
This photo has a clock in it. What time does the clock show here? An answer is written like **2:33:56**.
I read **3:21:29**
